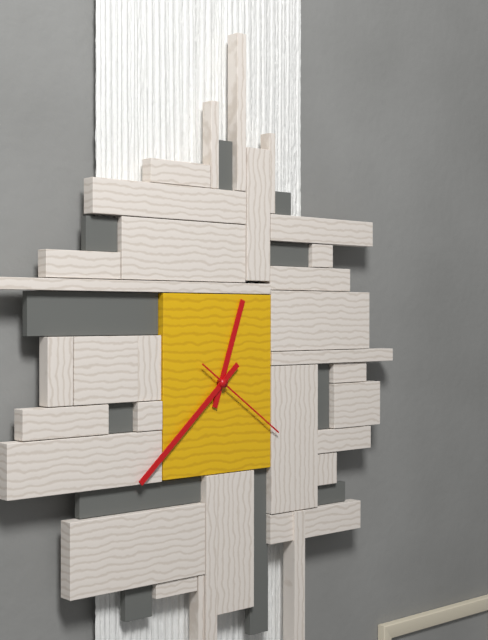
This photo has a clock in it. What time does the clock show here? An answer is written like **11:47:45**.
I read **12:38:21**
